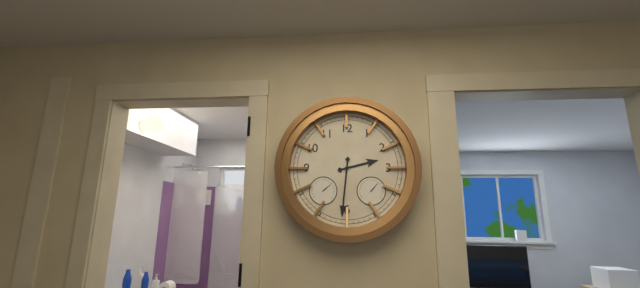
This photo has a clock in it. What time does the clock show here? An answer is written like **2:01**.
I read **2:31**
